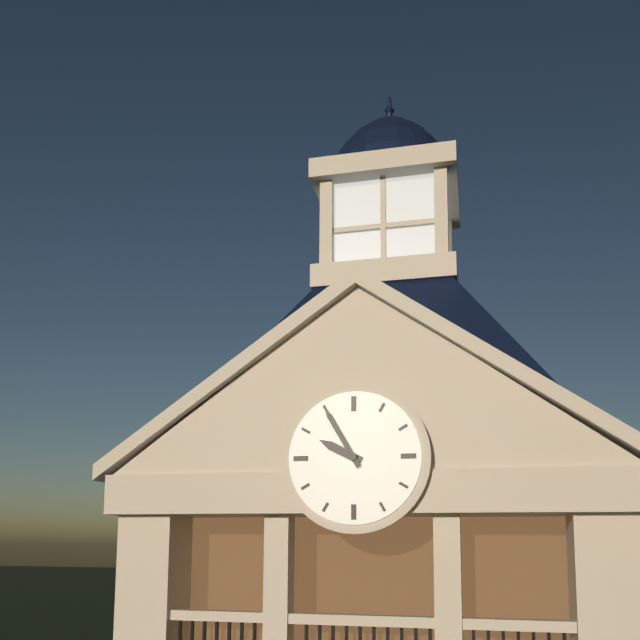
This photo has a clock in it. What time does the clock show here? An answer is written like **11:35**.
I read **9:55**
